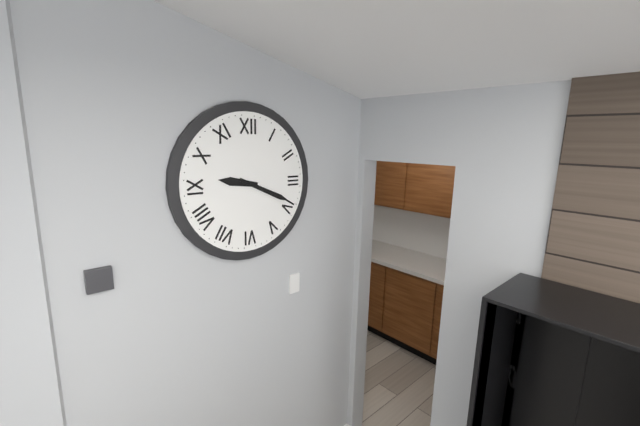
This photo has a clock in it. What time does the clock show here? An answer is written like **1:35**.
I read **9:19**
